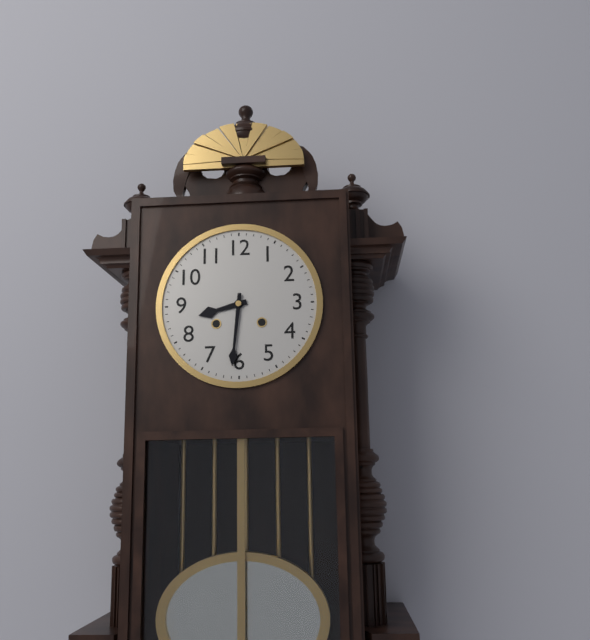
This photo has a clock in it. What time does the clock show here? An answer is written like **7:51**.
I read **8:31**
